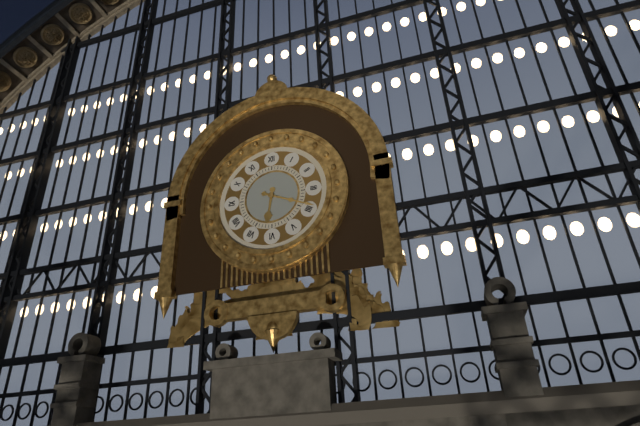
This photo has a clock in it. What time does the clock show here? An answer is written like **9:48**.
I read **6:19**
